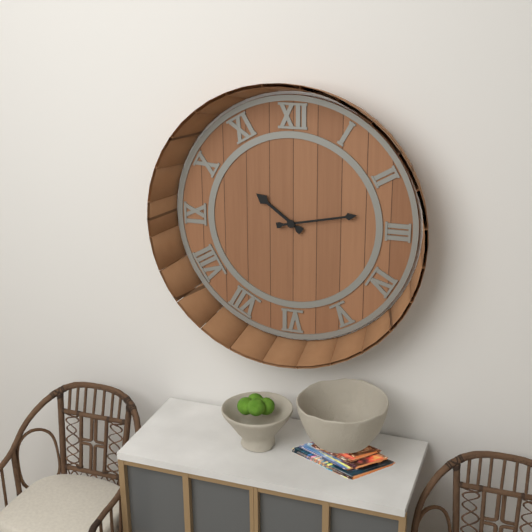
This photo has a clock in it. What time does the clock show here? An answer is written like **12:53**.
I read **10:13**
